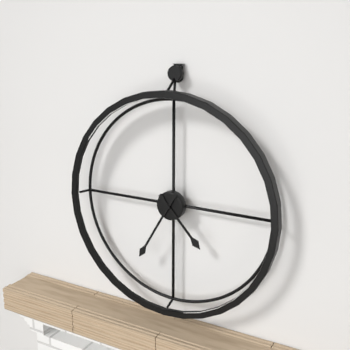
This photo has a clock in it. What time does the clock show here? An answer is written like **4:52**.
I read **4:35**
